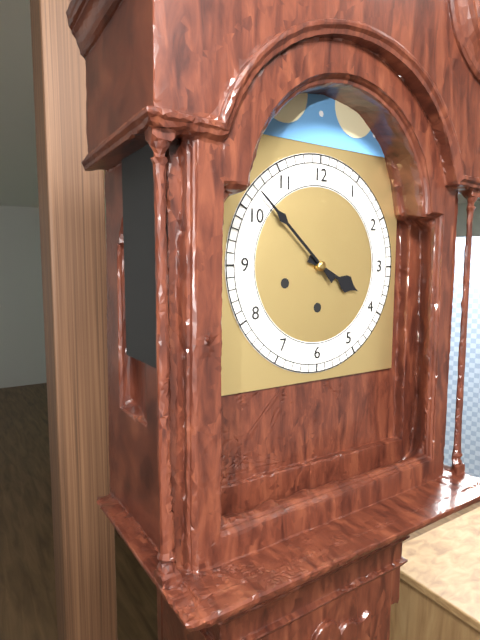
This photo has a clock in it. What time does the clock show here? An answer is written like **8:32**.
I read **3:52**
